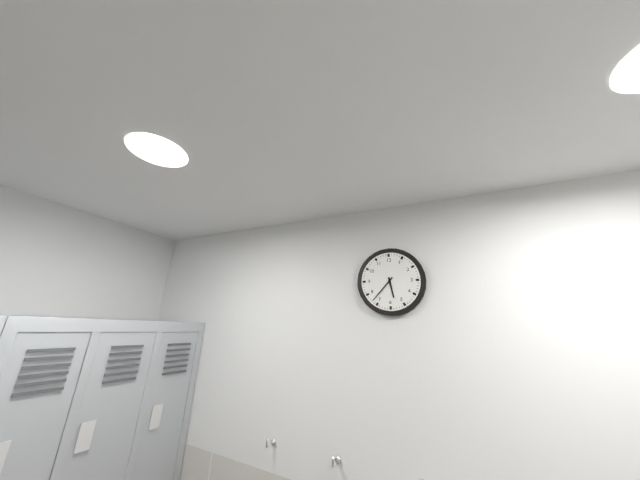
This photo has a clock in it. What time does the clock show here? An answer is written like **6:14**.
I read **5:37**
